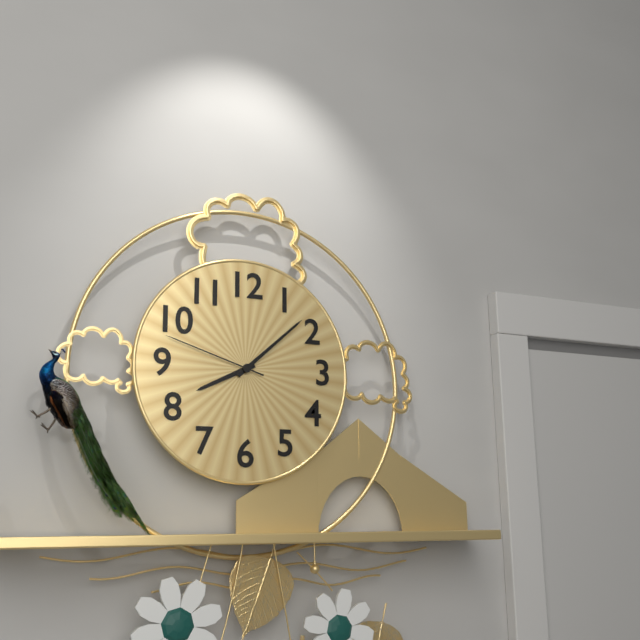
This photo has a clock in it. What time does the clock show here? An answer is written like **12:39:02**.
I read **8:08:48**
